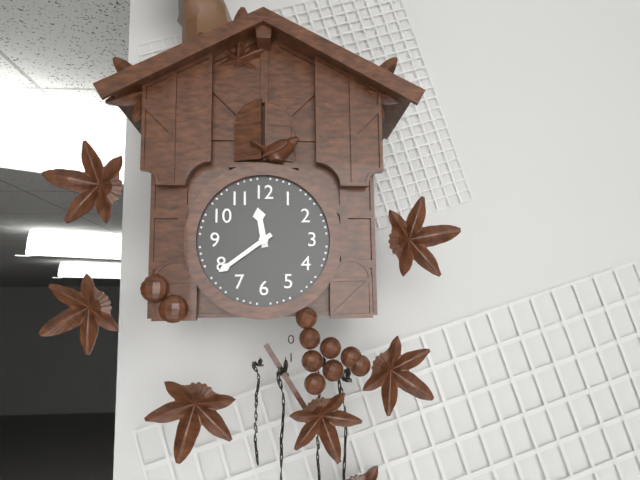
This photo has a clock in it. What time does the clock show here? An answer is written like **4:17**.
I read **11:39**
